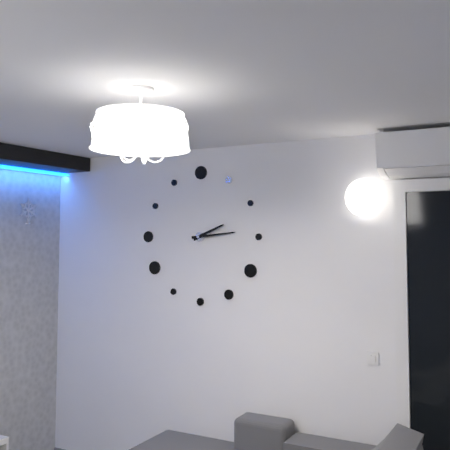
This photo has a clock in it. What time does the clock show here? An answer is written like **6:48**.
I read **2:14**
